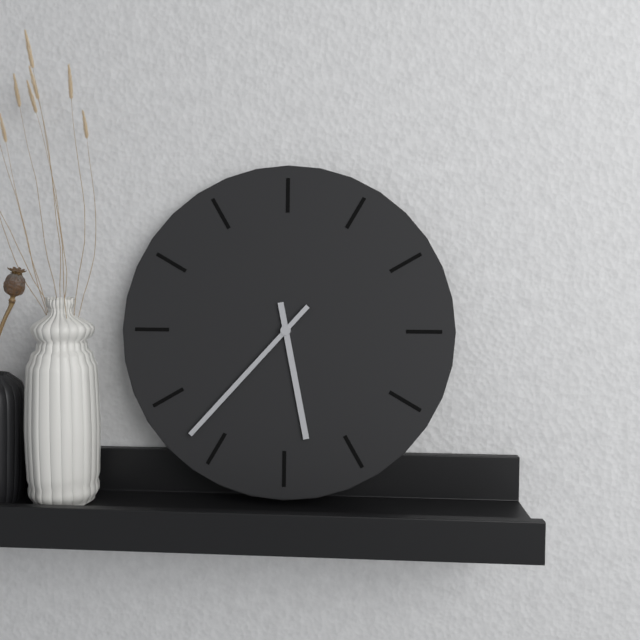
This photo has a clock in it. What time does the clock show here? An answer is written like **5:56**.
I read **5:37**
